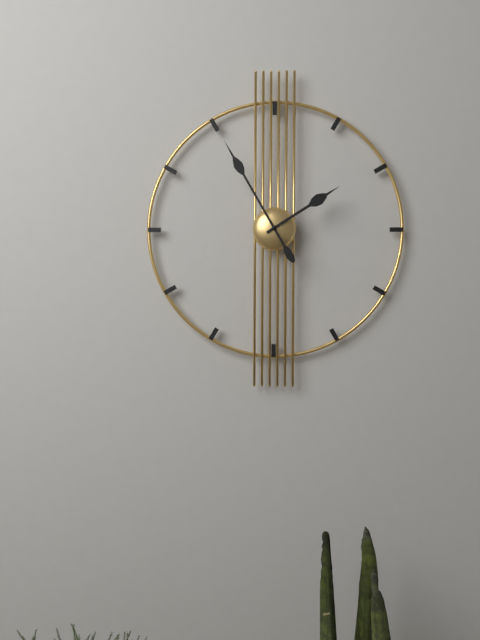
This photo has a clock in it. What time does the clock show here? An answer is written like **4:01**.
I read **1:55**
